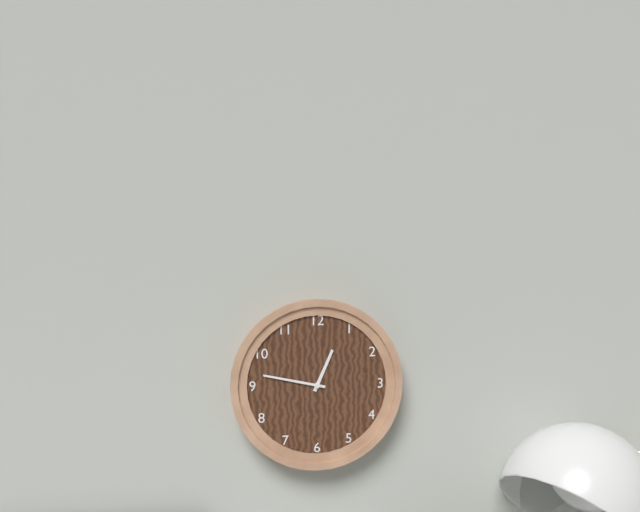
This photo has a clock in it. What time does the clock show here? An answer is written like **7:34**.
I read **12:47**
